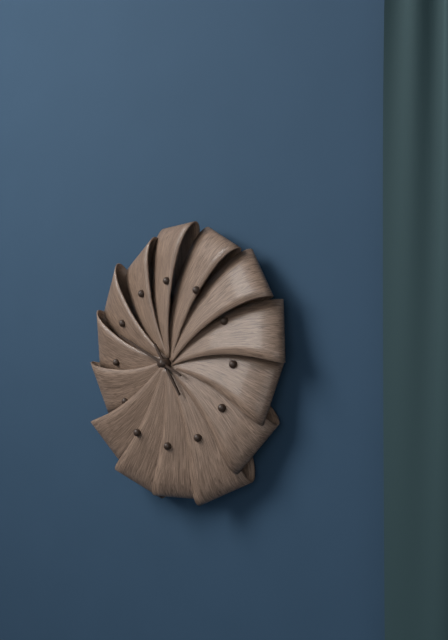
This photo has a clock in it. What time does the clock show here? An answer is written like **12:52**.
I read **4:49**
